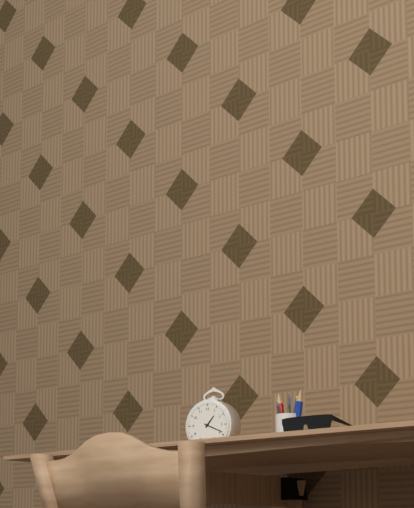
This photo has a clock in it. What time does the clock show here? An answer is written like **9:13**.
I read **1:19**
